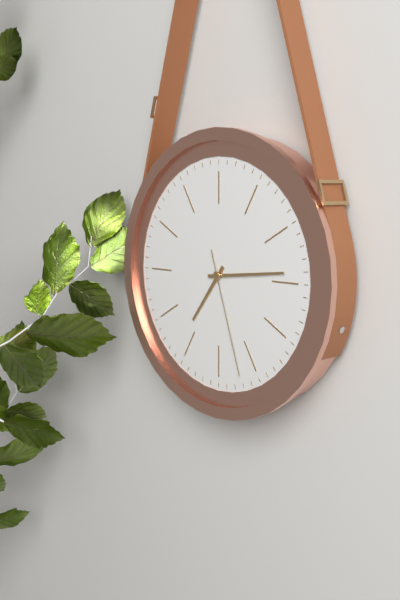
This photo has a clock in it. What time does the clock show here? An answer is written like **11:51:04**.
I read **7:14:27**
